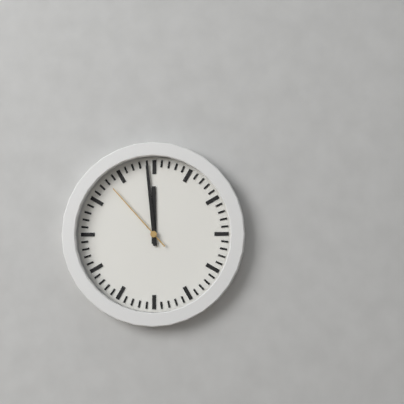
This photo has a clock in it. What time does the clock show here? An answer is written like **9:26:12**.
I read **11:59:53**
